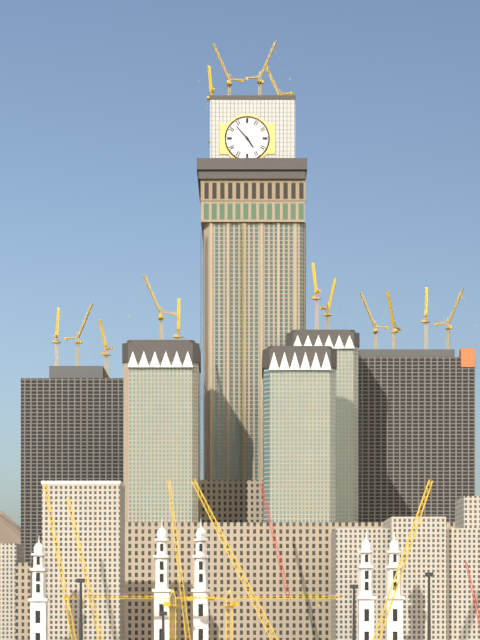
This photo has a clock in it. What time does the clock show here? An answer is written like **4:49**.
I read **4:53**
